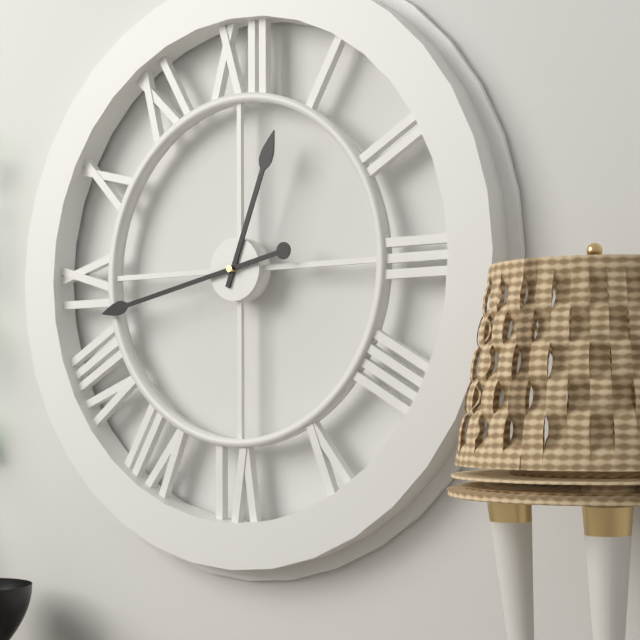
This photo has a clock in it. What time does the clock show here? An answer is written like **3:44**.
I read **12:43**
